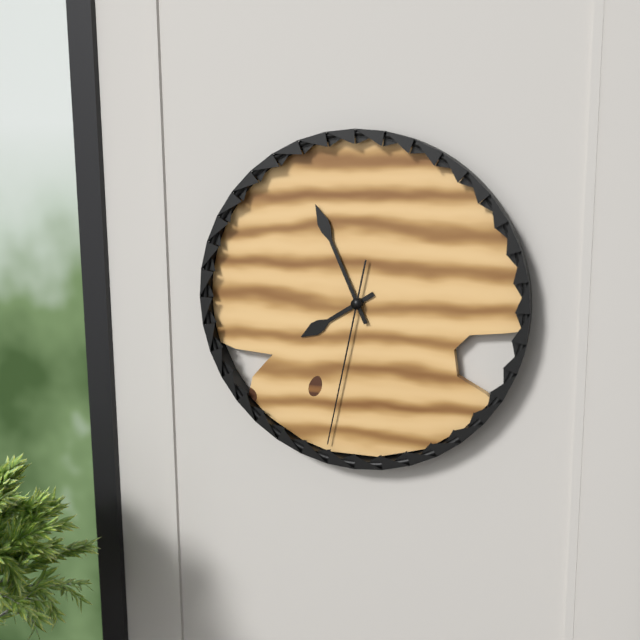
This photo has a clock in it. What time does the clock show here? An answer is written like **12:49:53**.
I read **7:56:32**
